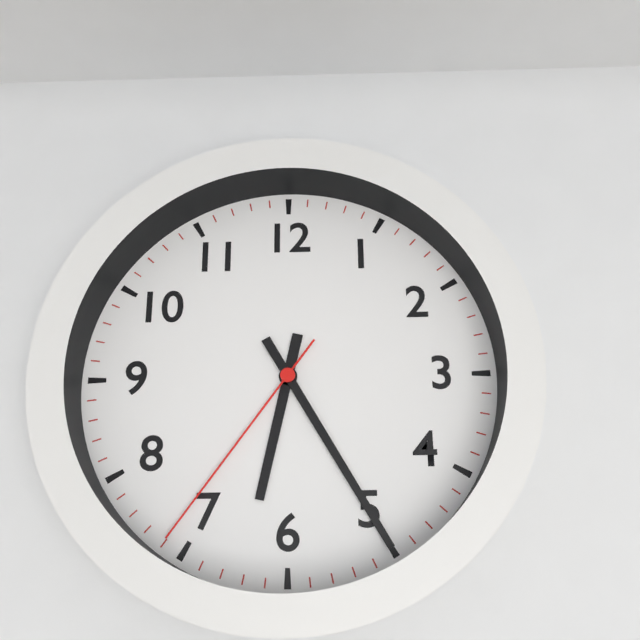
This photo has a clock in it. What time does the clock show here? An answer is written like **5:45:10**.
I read **6:25:36**
